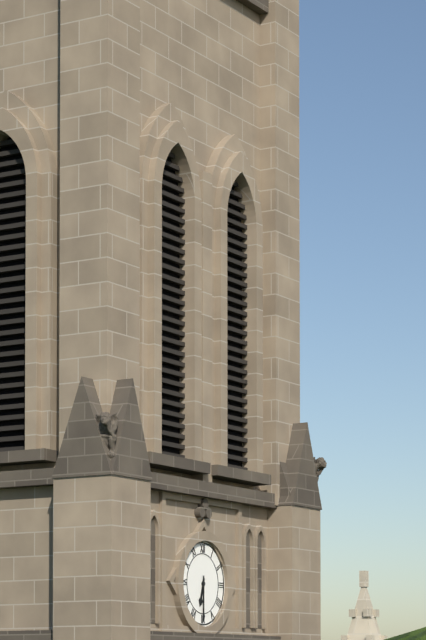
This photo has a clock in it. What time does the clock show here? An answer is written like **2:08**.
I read **6:30**
